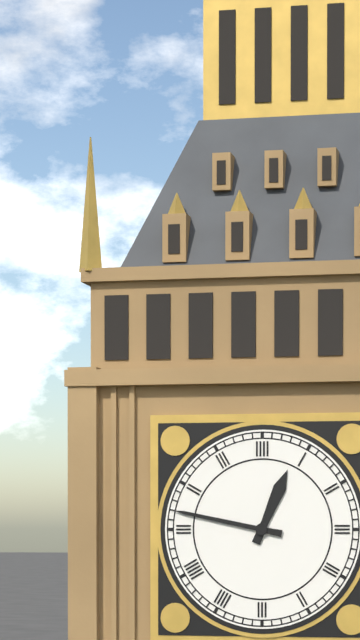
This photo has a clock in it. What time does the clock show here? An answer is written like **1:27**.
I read **12:47**
